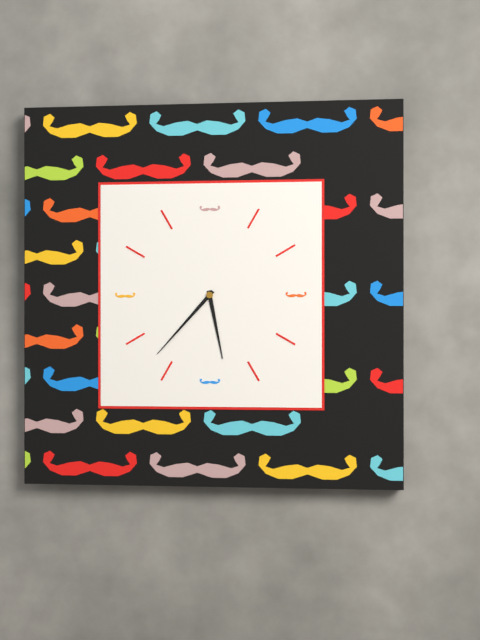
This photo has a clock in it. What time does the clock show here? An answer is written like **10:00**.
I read **5:37**
